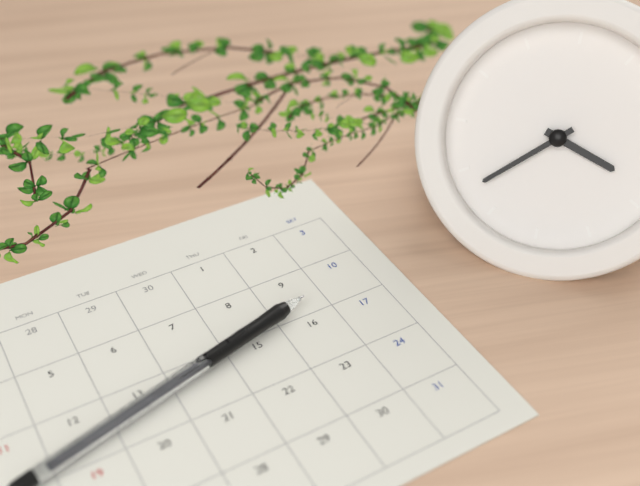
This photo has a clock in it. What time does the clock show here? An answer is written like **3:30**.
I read **3:38**
